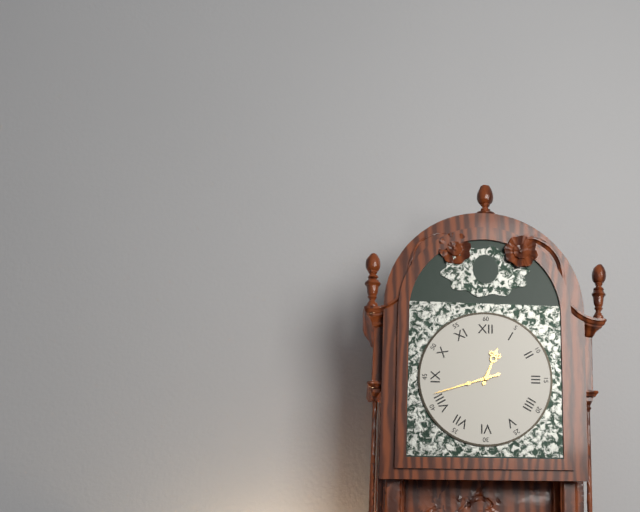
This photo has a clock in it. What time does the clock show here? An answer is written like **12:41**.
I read **12:42**
